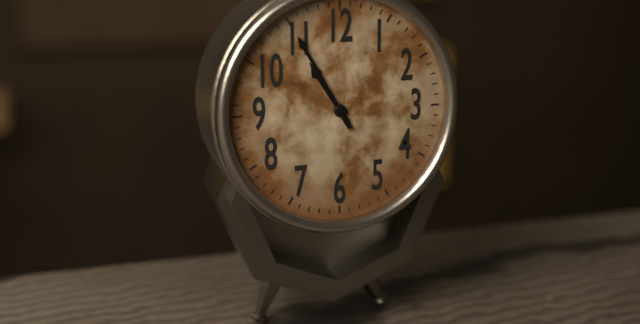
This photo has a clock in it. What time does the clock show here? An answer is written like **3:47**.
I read **10:55**
